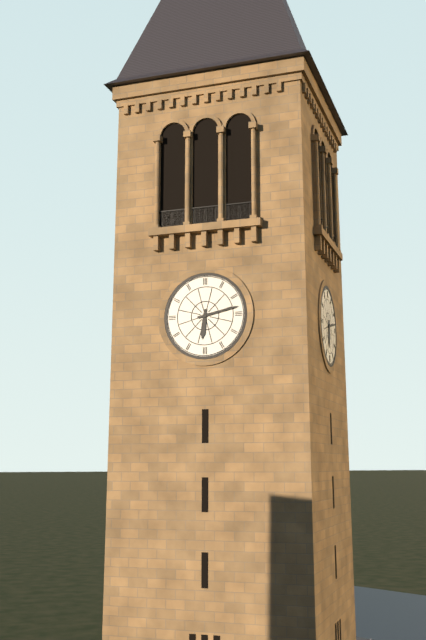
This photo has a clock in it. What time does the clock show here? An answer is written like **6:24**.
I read **6:13**
